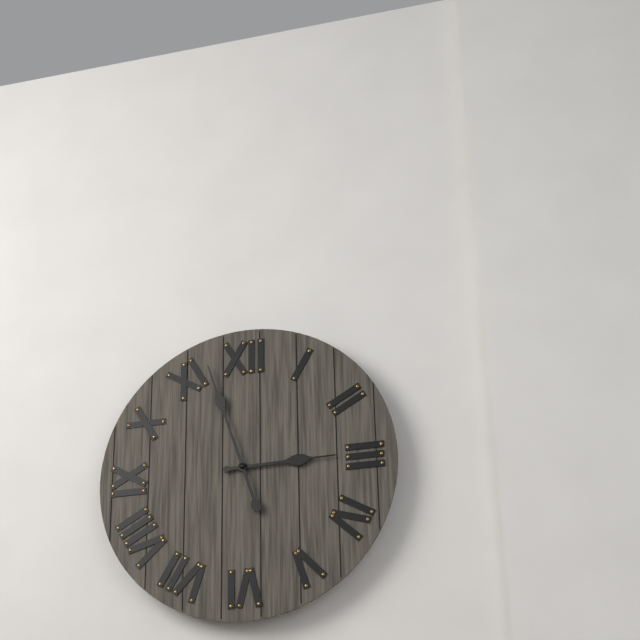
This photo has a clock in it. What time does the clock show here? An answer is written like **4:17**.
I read **2:57**
